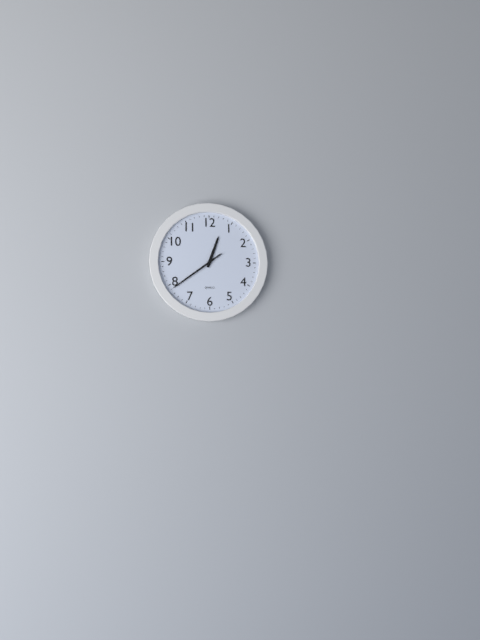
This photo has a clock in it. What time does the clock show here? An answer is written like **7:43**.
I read **12:39**
